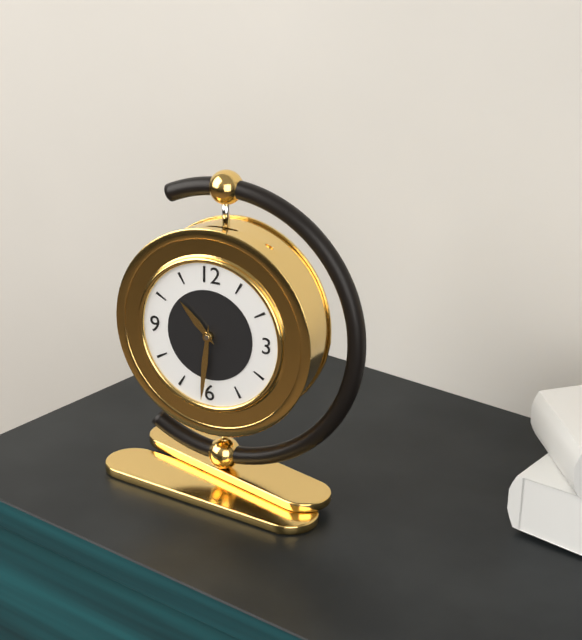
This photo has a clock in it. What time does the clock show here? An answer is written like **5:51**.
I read **10:31**
